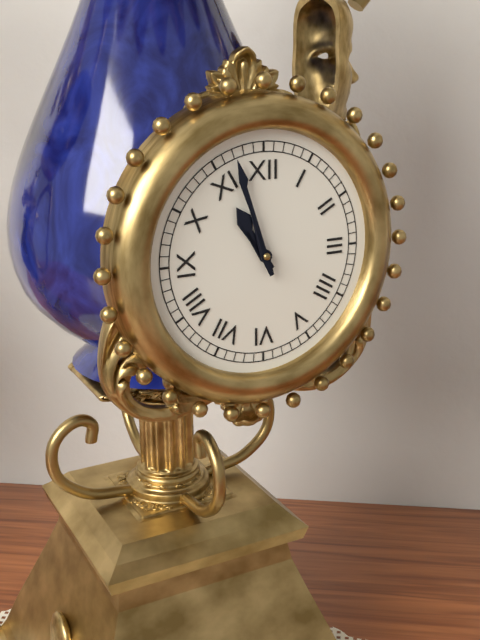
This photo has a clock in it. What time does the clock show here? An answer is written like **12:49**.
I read **10:57**
